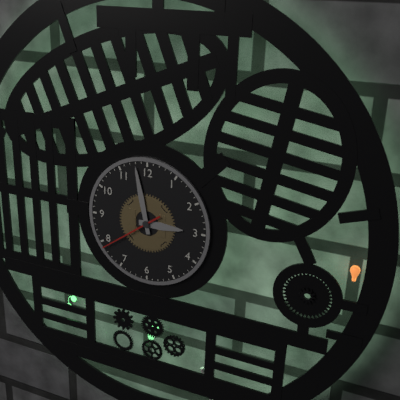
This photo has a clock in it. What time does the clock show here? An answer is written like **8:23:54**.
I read **2:58:39**
